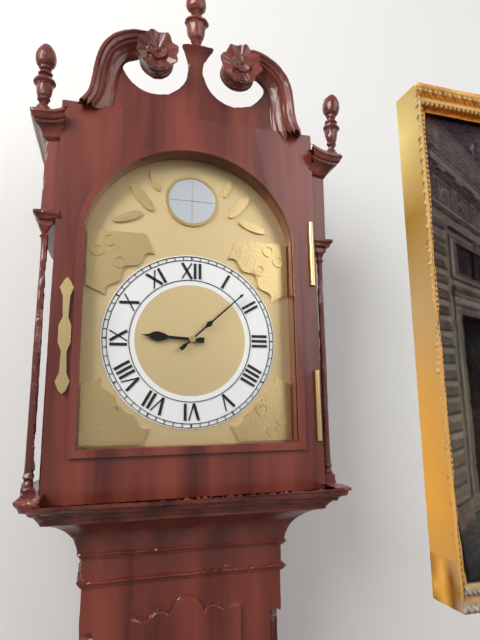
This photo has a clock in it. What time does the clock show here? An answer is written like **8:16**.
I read **9:08**
